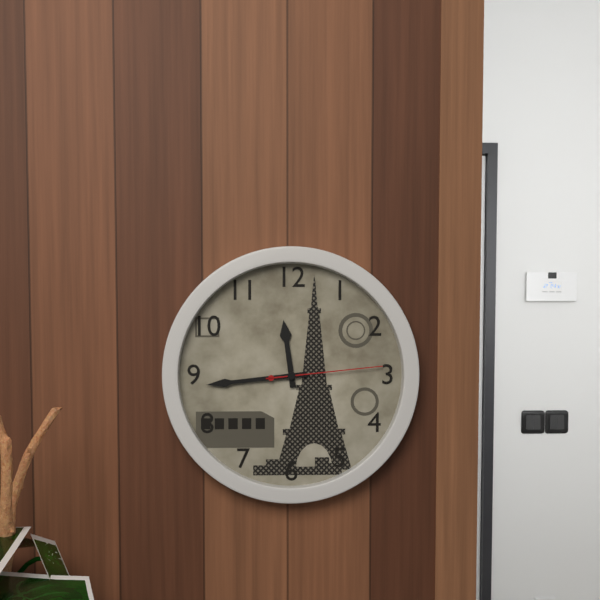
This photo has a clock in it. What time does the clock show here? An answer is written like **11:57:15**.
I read **11:44:14**
